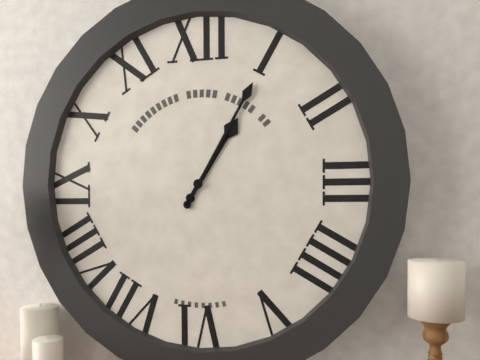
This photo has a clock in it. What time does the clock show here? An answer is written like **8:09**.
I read **1:05**
